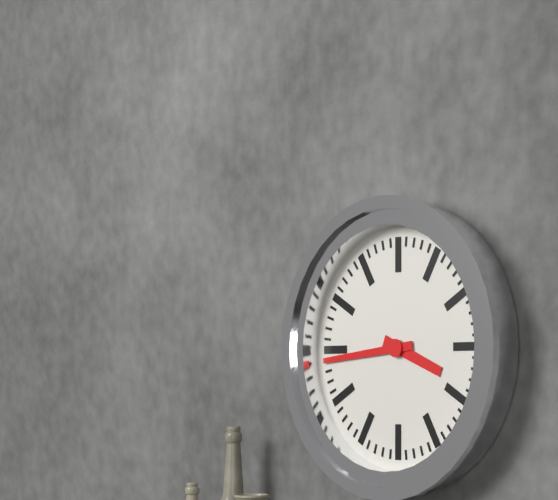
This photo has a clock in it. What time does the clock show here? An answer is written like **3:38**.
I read **3:44**
